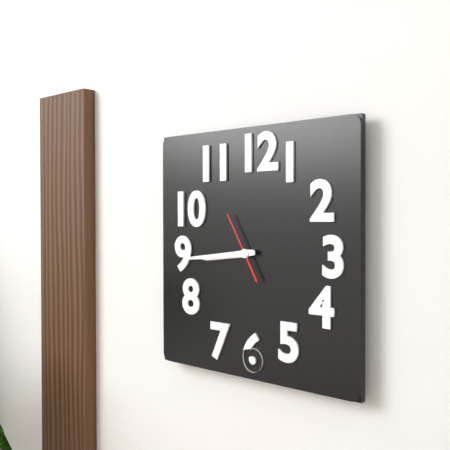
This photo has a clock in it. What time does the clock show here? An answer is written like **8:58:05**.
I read **8:44:55**
